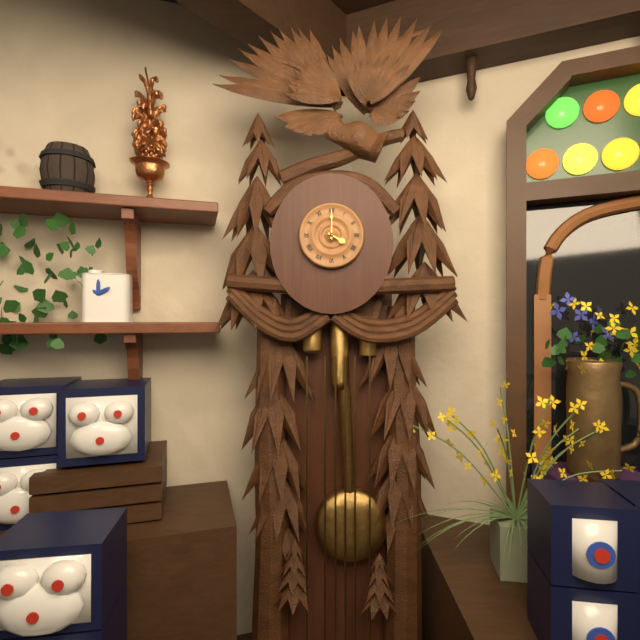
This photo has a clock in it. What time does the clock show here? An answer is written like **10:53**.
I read **4:00**
